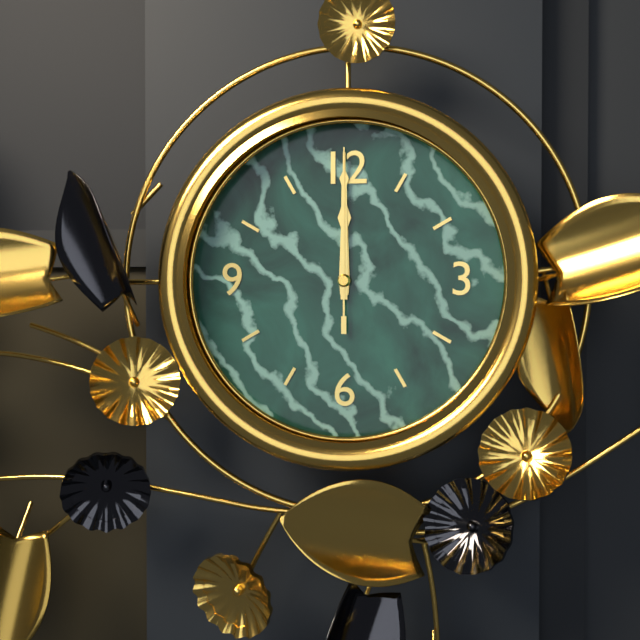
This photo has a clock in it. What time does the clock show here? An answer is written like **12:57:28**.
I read **12:00:00**
